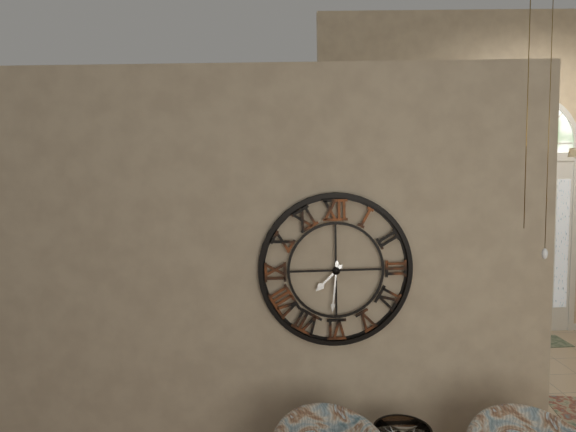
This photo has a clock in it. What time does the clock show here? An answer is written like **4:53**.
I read **7:31**
